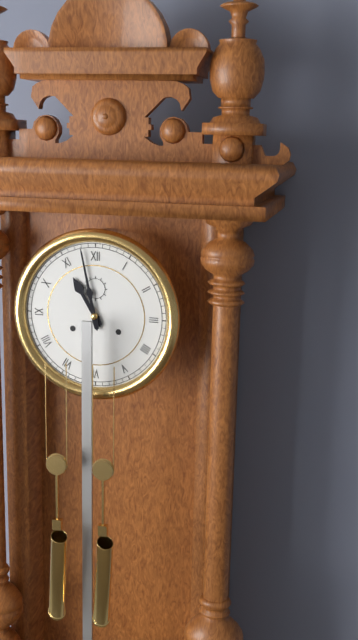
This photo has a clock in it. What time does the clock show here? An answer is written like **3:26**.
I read **10:58**
